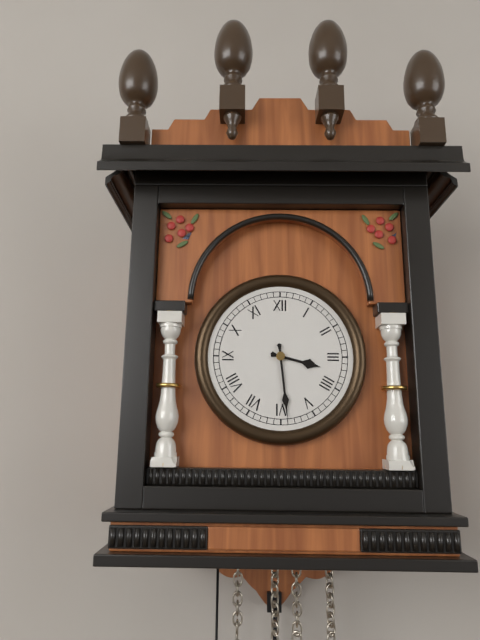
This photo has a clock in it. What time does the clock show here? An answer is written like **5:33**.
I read **3:29**
